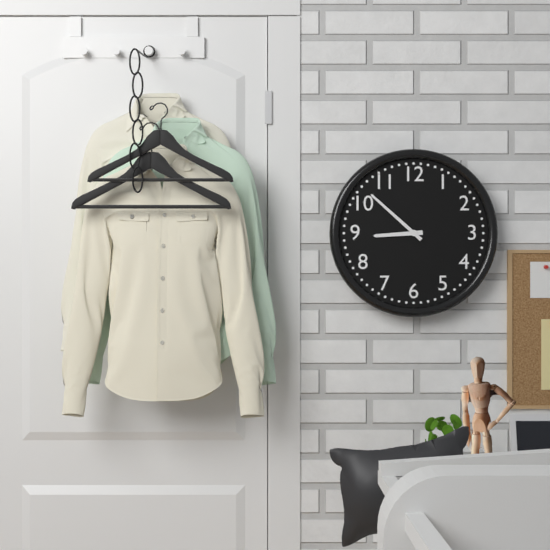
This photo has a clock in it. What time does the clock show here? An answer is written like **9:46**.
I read **8:52**
